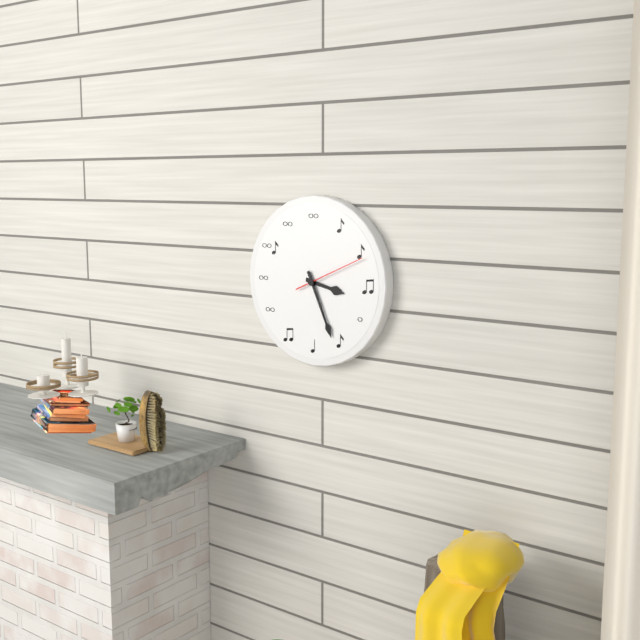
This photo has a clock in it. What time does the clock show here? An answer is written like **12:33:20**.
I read **3:26:11**
